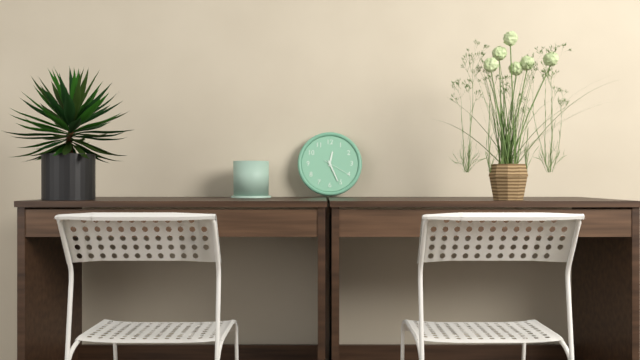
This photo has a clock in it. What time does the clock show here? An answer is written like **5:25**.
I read **12:26**
